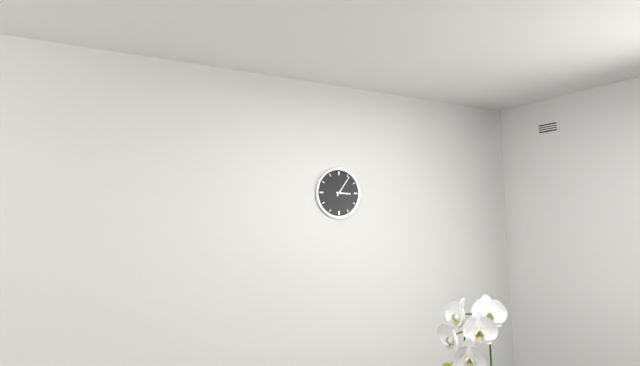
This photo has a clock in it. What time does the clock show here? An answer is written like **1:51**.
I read **3:06**
